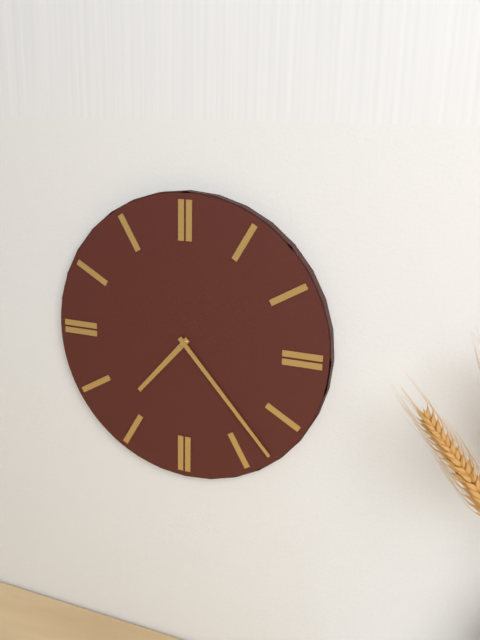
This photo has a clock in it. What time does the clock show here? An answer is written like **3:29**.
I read **7:23**
